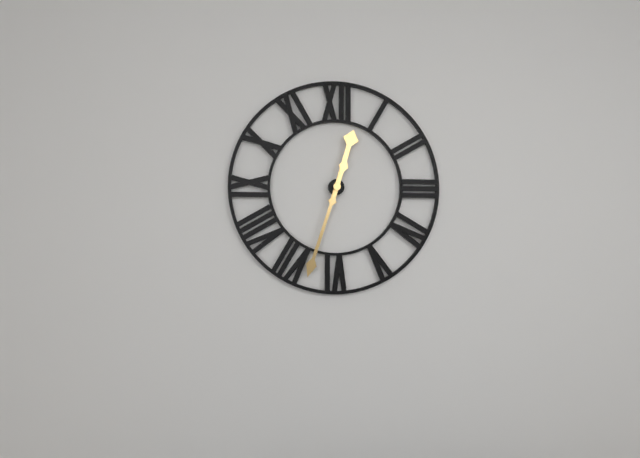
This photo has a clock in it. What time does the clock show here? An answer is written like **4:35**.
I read **12:33**
